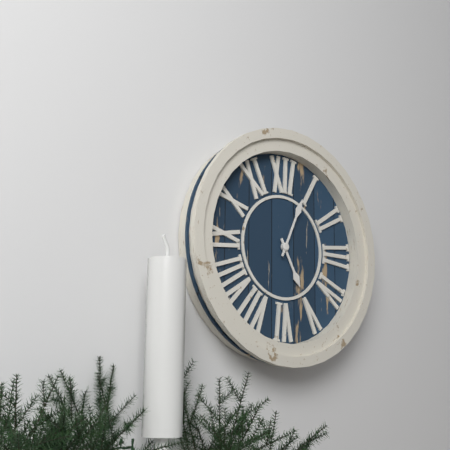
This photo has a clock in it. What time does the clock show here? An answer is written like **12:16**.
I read **5:04**
